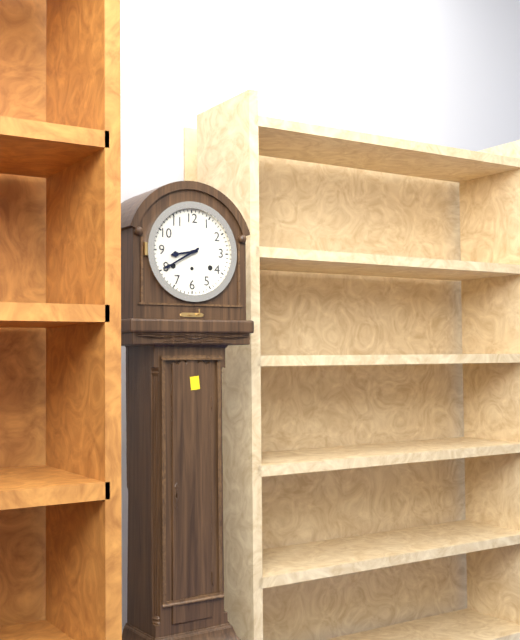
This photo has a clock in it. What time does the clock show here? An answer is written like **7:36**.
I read **8:40**
